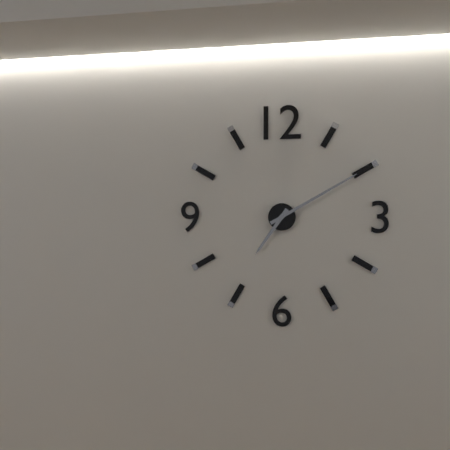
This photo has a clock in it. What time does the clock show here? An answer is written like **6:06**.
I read **7:10**
